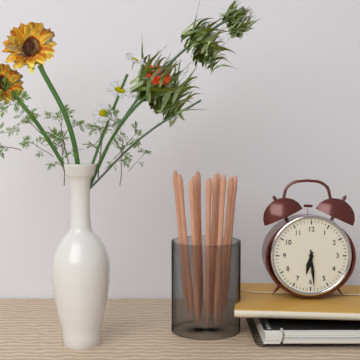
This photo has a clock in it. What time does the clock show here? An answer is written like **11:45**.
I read **6:29**
